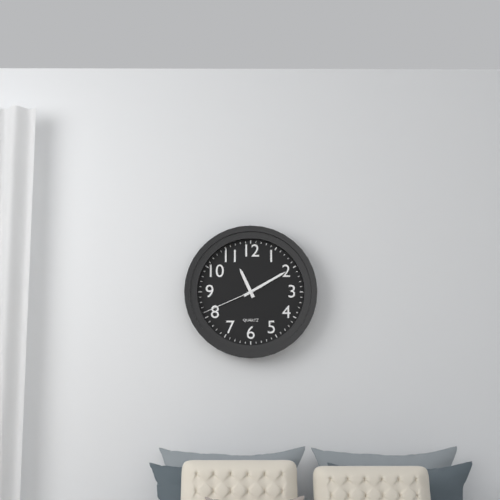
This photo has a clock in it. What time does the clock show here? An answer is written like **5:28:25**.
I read **11:10:41**
